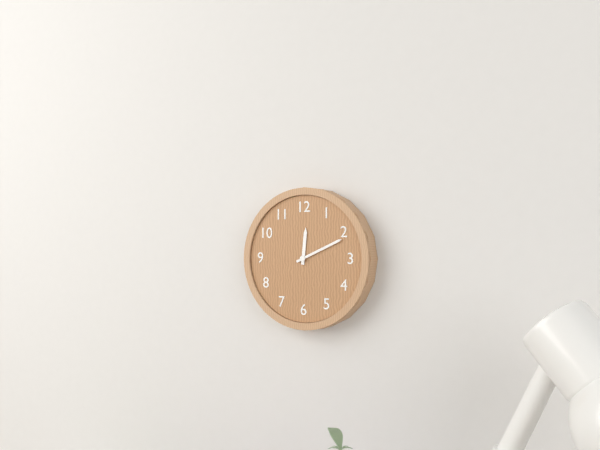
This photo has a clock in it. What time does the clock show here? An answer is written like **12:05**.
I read **12:11**
